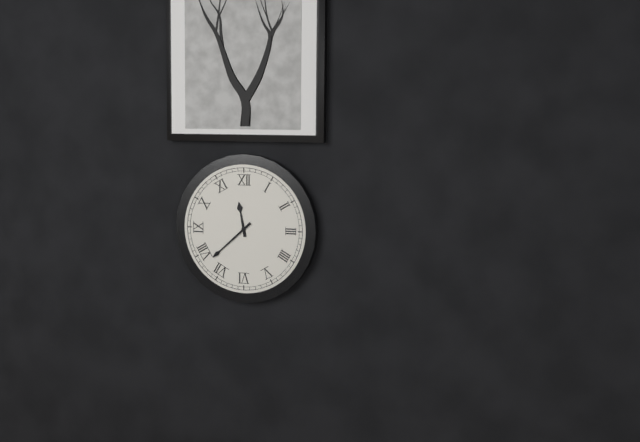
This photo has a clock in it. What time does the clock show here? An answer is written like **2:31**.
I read **11:38**
